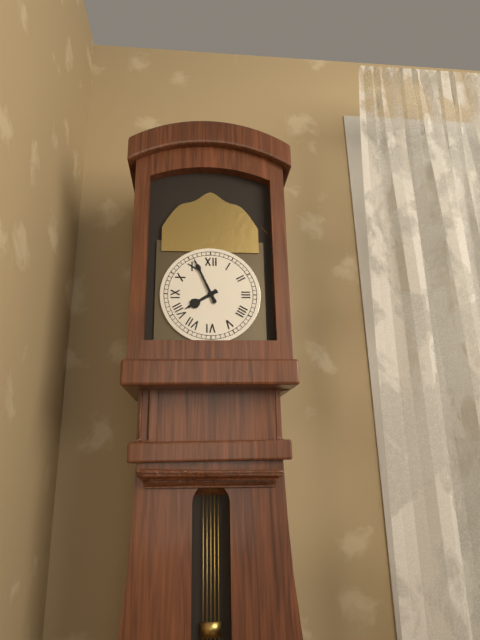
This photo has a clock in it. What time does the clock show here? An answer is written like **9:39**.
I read **7:56**
